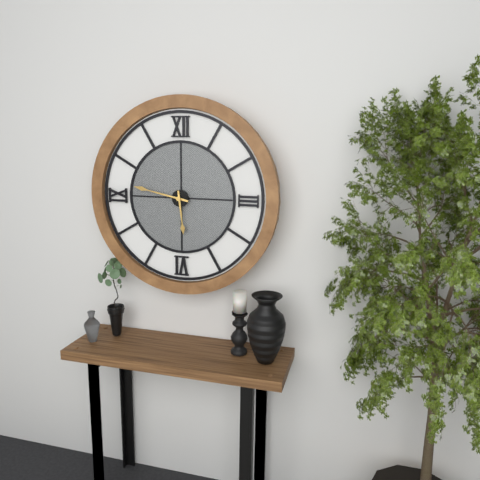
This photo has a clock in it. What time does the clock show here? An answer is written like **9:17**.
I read **5:47**
